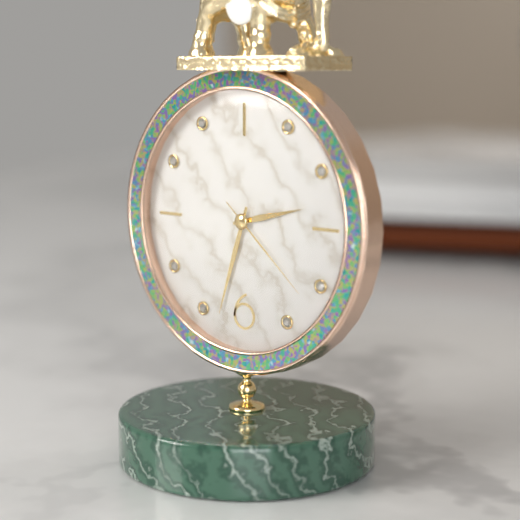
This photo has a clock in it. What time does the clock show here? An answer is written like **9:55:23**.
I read **2:33:22**
